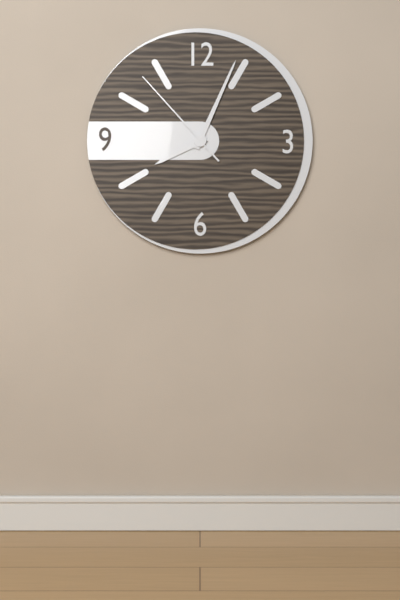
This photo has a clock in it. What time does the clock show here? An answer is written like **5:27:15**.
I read **8:04:53**
